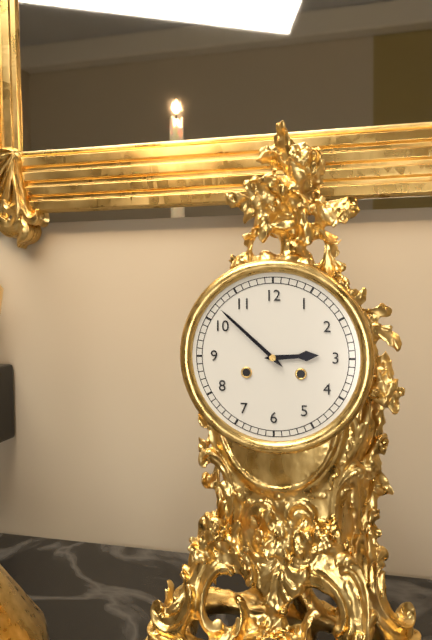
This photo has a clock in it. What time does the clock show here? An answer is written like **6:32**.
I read **2:52**
